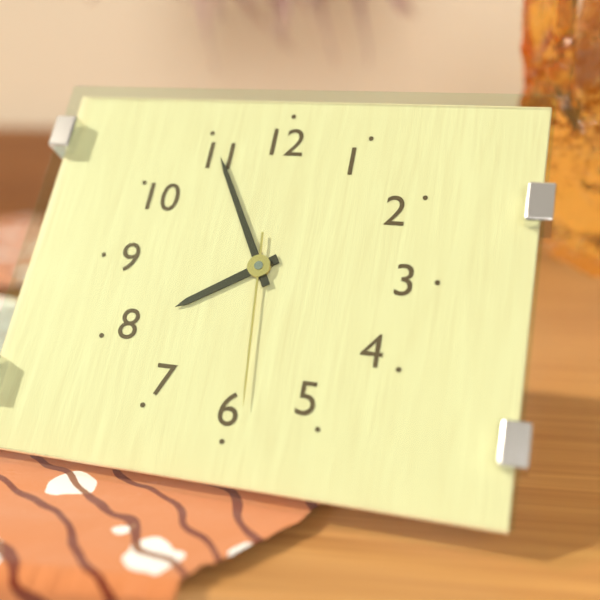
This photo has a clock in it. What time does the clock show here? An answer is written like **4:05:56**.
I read **7:55:29**
